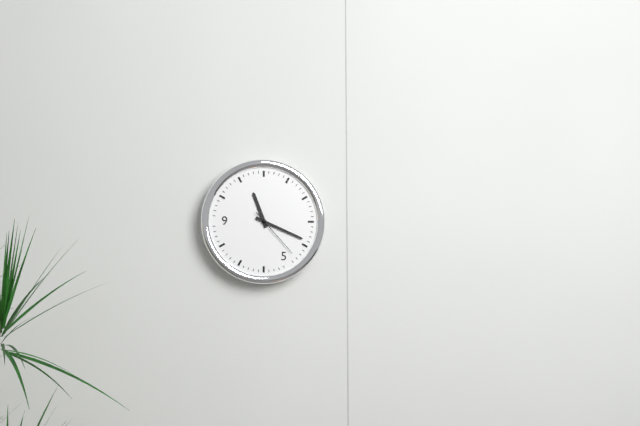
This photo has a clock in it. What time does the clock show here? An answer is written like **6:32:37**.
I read **11:19:23**
